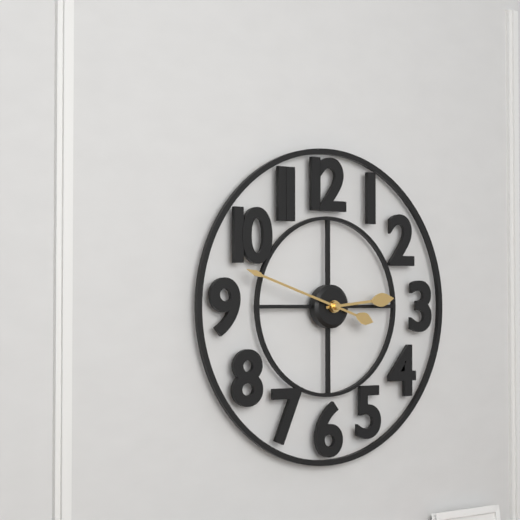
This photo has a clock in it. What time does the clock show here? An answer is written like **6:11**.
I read **2:48**
